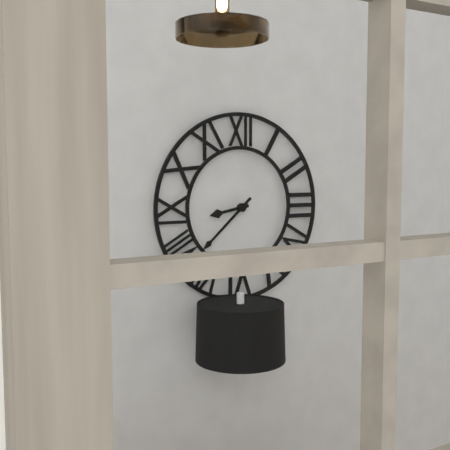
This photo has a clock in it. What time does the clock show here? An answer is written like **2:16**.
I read **8:38**
